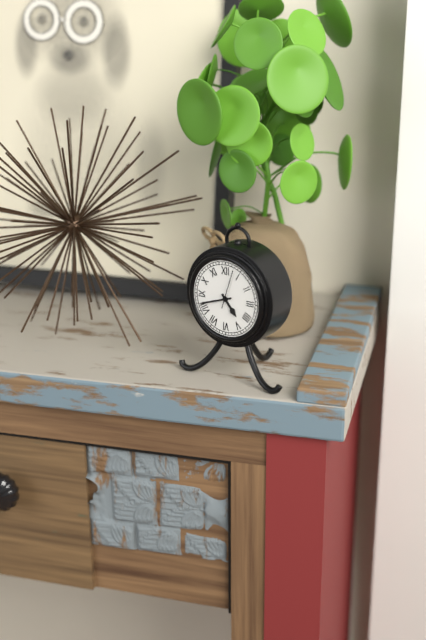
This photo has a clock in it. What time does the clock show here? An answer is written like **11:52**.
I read **4:42**
